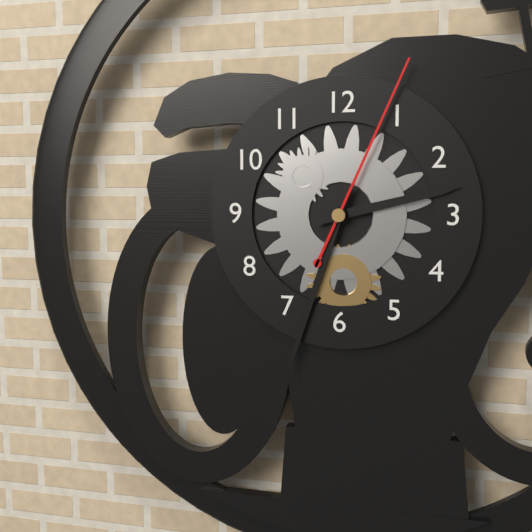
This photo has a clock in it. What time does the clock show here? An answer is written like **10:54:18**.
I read **2:33:04**
